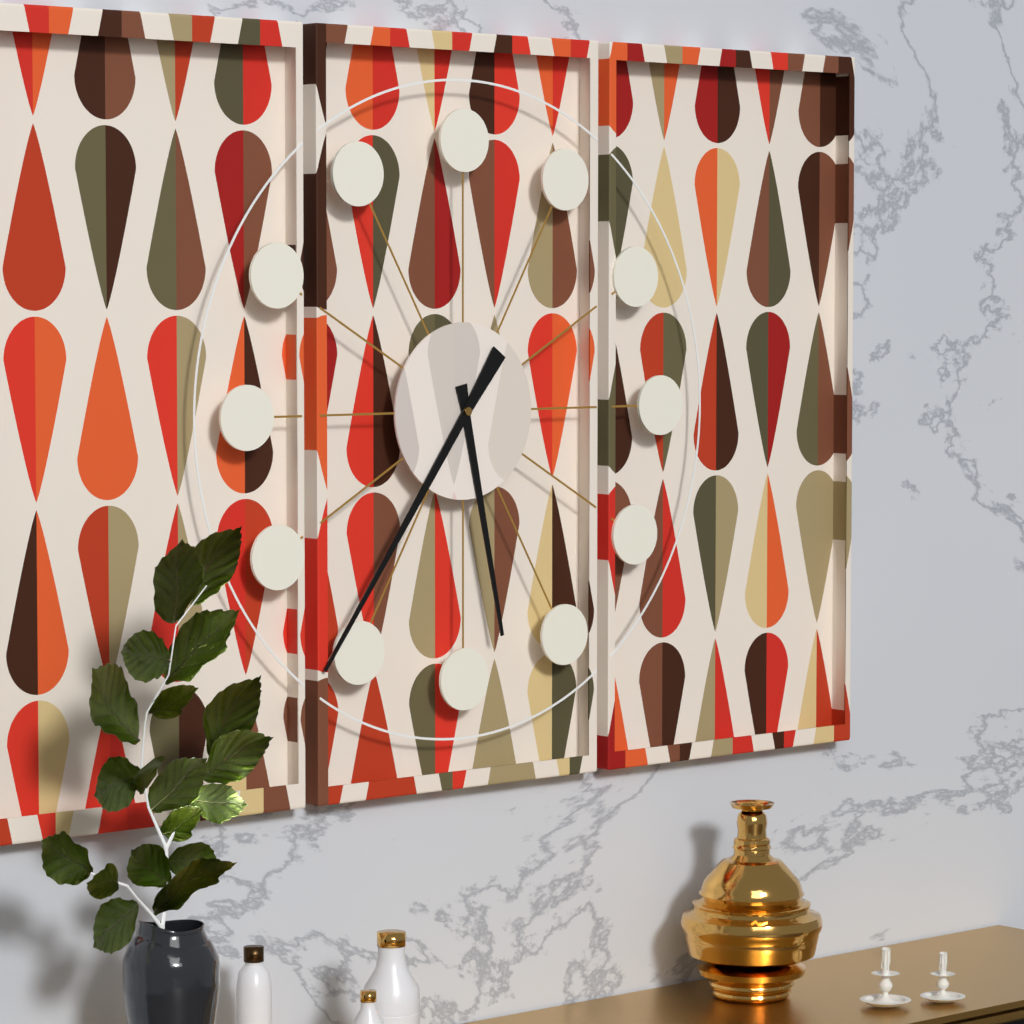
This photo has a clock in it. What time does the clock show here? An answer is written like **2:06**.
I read **5:36**
